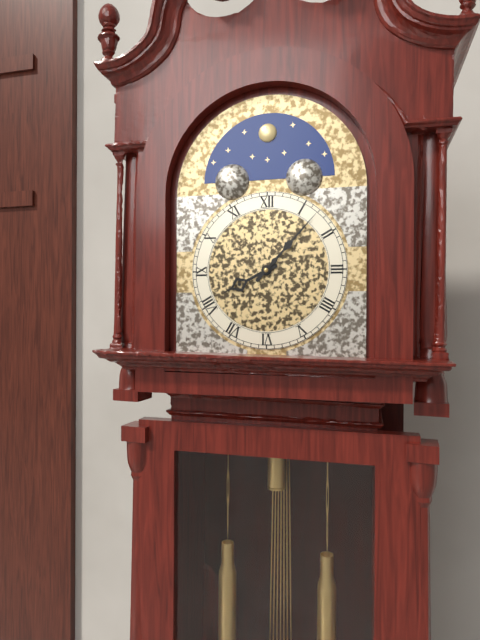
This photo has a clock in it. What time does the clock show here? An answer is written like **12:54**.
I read **8:07**
